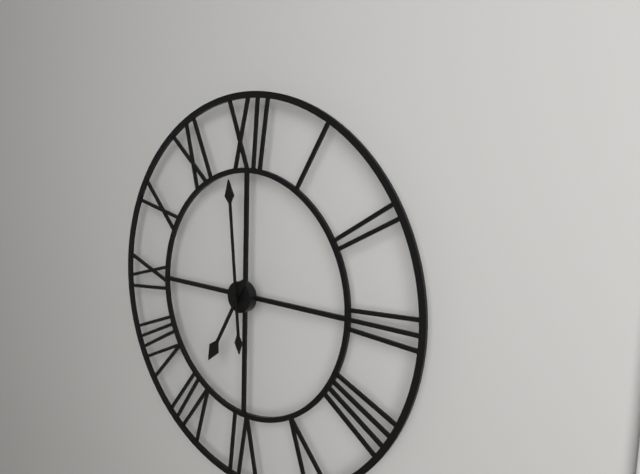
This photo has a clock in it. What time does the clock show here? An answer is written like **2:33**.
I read **6:59**
